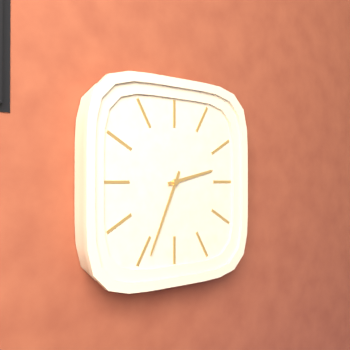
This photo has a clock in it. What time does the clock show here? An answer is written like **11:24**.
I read **2:34**
